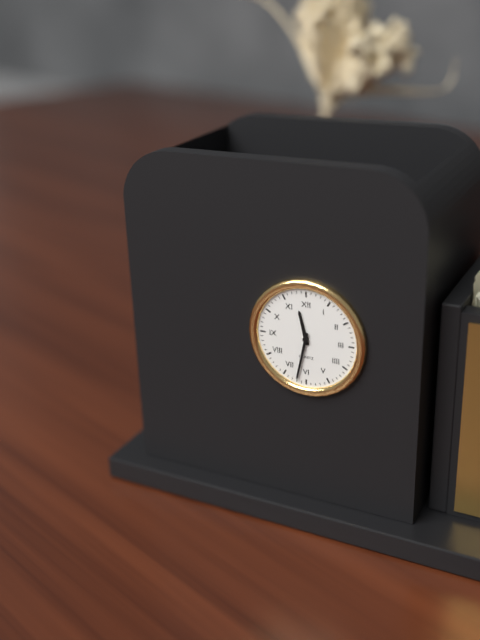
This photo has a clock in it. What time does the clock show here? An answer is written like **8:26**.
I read **11:32**
